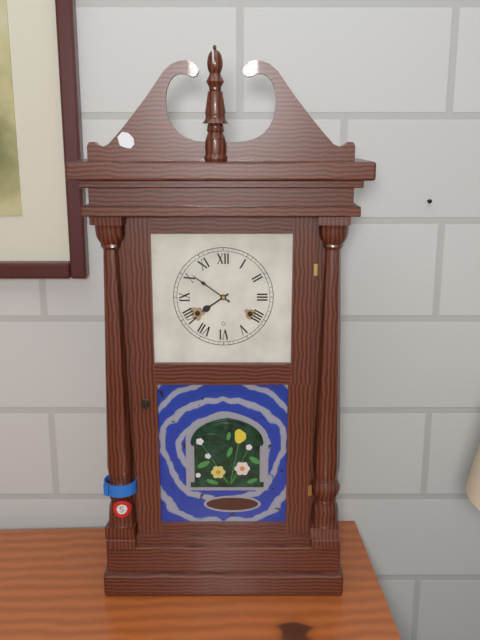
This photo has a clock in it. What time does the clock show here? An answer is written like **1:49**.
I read **7:51**
